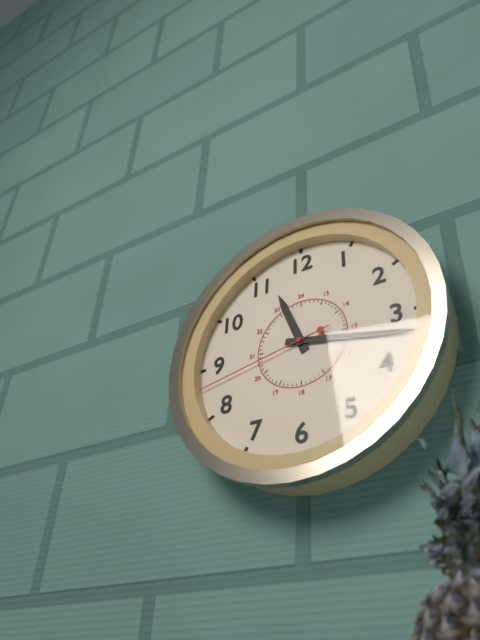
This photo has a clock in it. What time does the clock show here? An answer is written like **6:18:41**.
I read **11:17:43**
